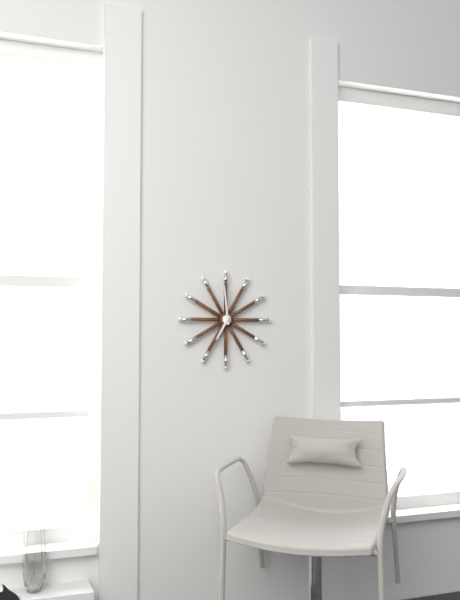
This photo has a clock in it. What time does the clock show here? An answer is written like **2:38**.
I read **6:59**
